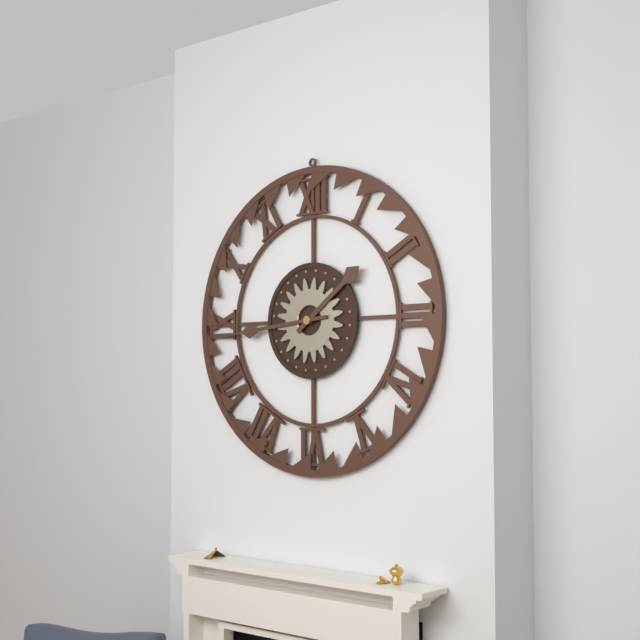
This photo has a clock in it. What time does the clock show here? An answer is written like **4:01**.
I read **1:44**
